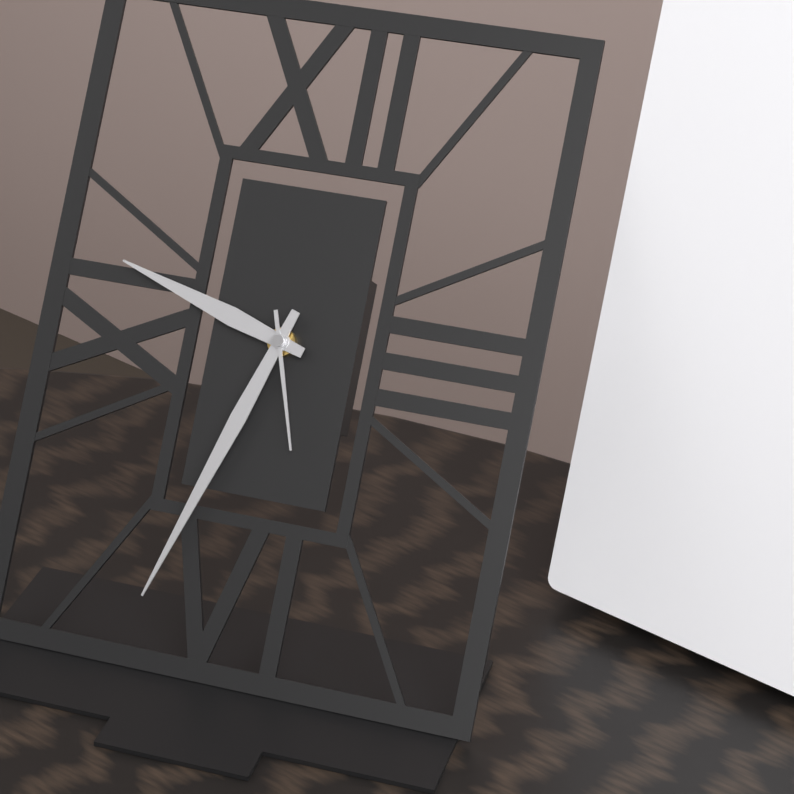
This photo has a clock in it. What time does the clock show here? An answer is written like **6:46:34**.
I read **9:33:27**
